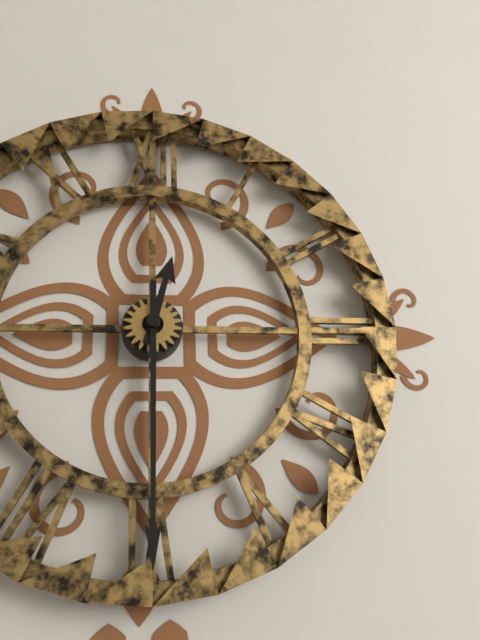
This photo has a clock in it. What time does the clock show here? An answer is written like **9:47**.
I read **12:30**
